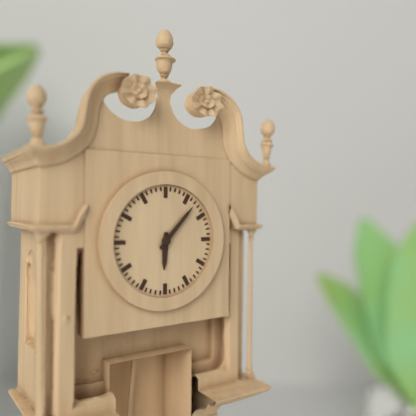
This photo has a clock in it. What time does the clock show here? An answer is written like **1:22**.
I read **6:07**
